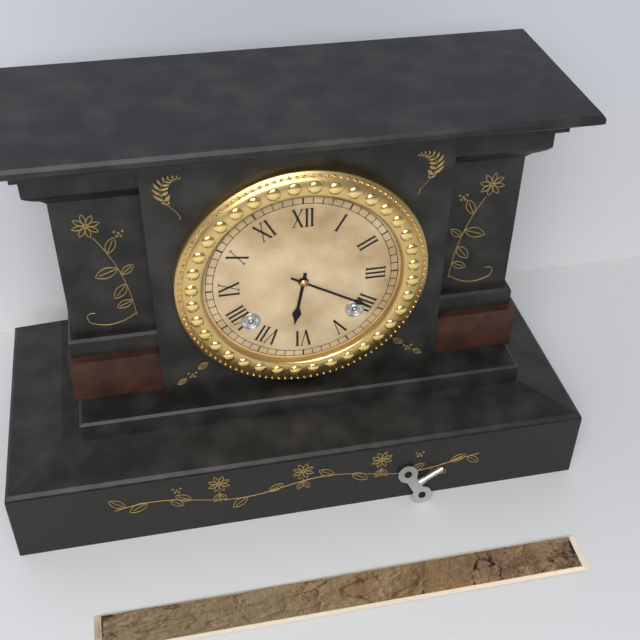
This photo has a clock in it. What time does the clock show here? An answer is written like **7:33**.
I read **6:20**
